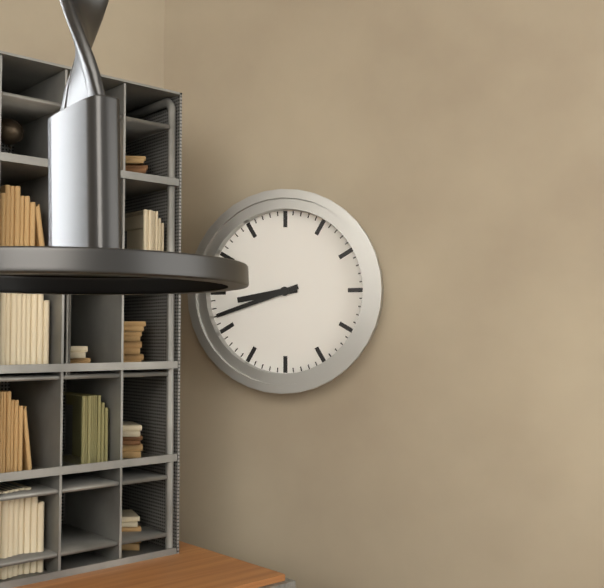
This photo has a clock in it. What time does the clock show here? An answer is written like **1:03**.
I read **8:42**
